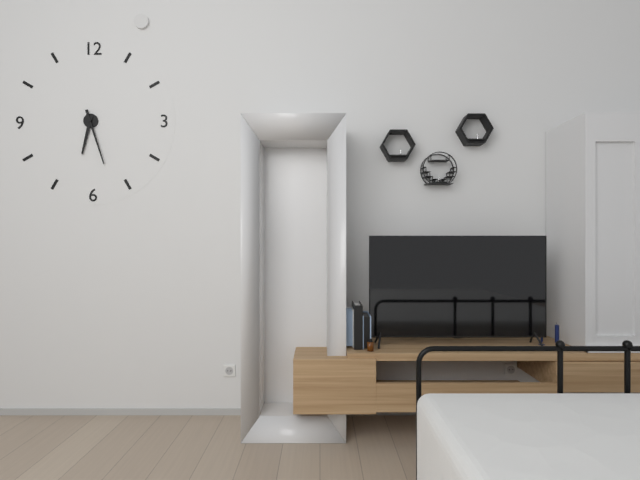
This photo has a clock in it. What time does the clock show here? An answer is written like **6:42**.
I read **6:27**
